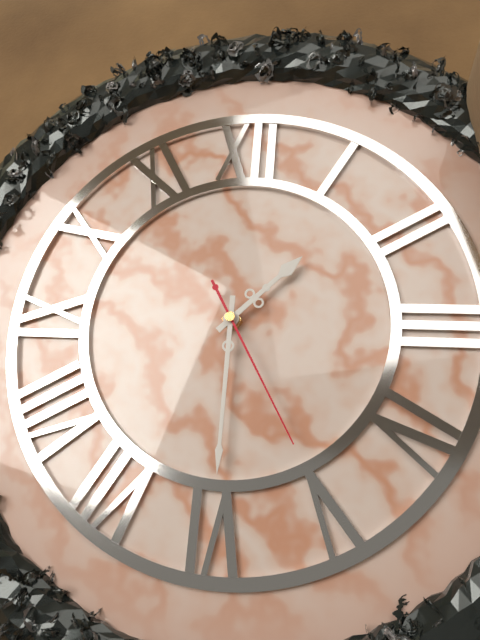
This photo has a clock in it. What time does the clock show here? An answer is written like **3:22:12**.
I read **1:30:25**
